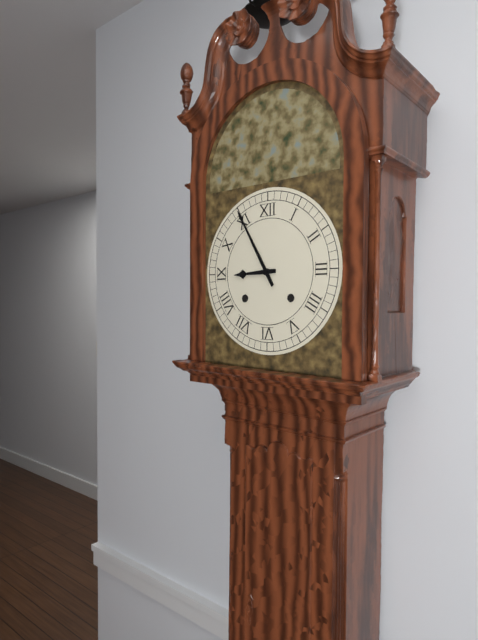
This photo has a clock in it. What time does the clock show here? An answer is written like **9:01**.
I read **8:55**
